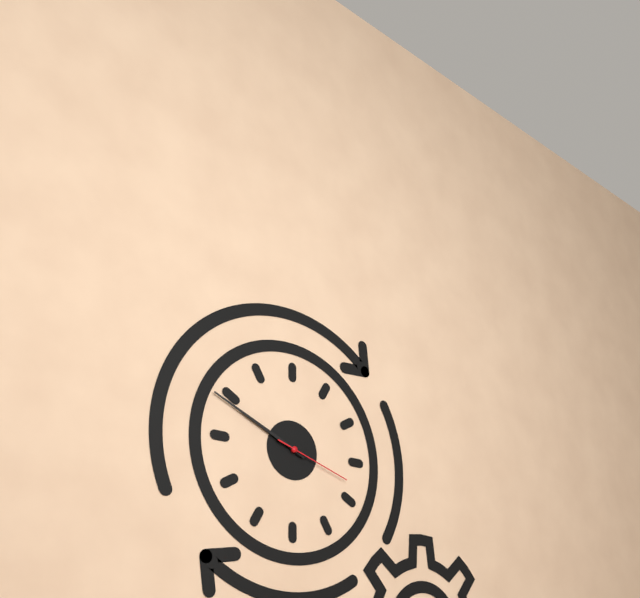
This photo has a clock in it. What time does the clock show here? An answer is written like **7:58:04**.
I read **9:49:18**
